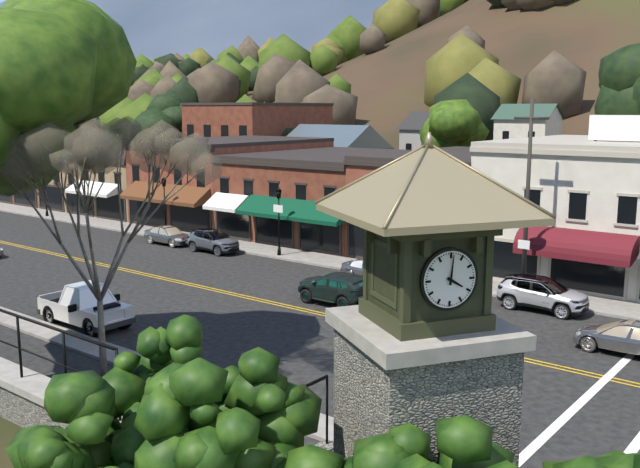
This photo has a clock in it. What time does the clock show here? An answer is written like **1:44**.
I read **4:01**
